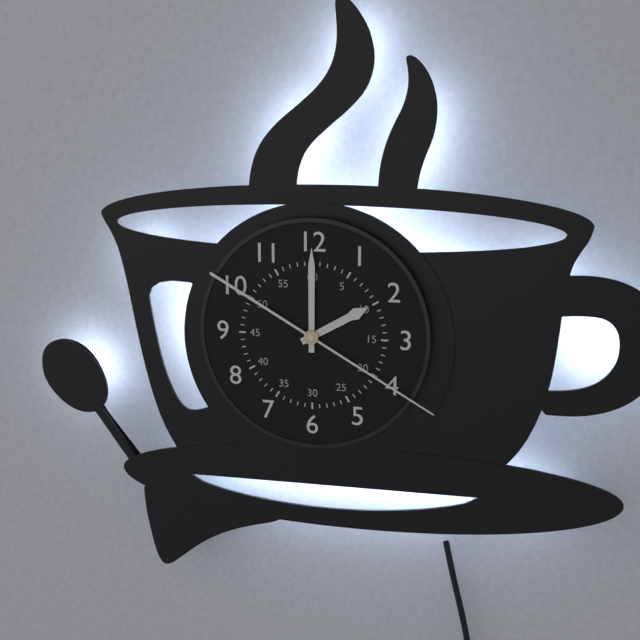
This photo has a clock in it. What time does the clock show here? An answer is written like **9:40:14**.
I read **2:00:20**
